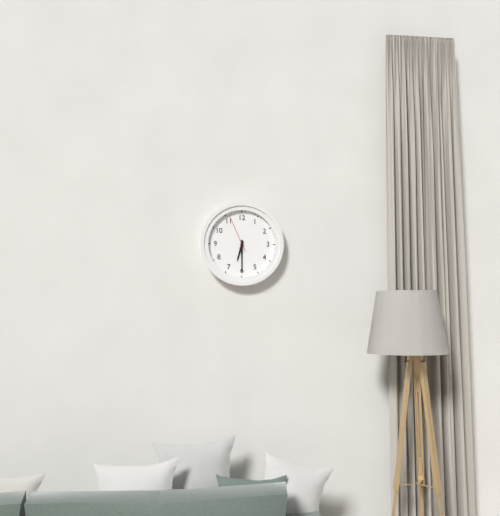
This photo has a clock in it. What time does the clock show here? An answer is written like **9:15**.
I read **6:30**
